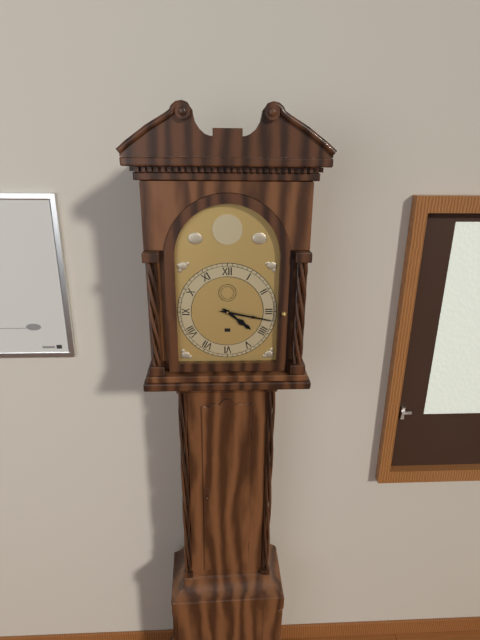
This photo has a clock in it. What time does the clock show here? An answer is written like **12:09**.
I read **4:17**
